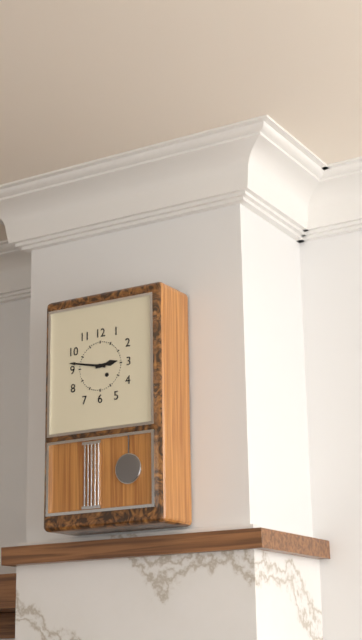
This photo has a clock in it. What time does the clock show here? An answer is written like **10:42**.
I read **2:47**
